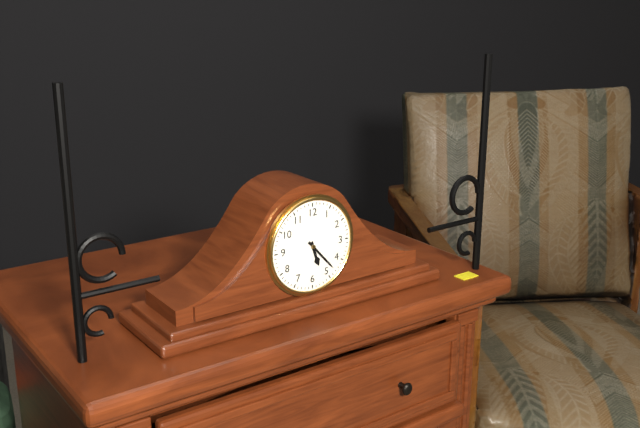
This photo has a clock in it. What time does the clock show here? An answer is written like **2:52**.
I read **5:23**
